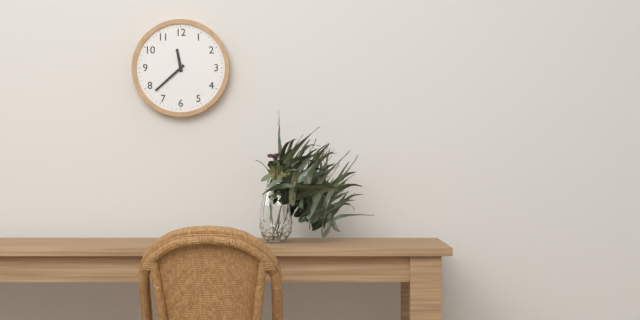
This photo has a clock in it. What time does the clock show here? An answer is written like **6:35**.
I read **11:38**
